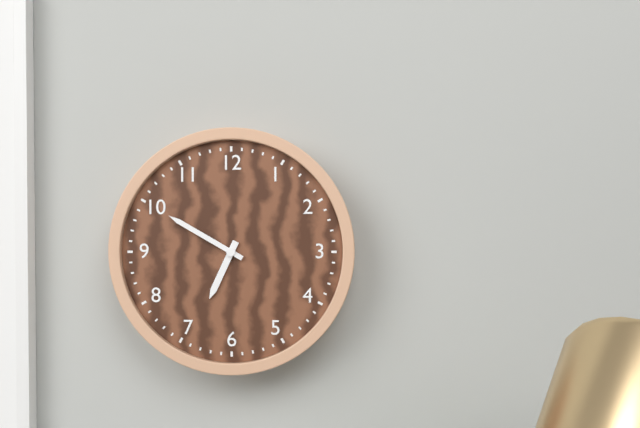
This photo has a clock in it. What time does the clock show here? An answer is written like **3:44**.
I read **6:50**
